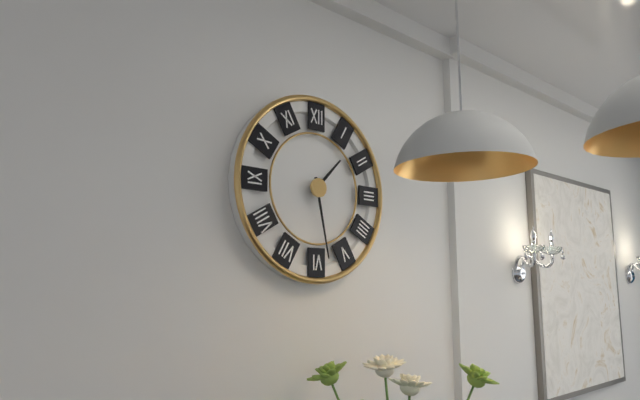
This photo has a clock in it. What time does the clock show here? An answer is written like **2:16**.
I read **1:28**
